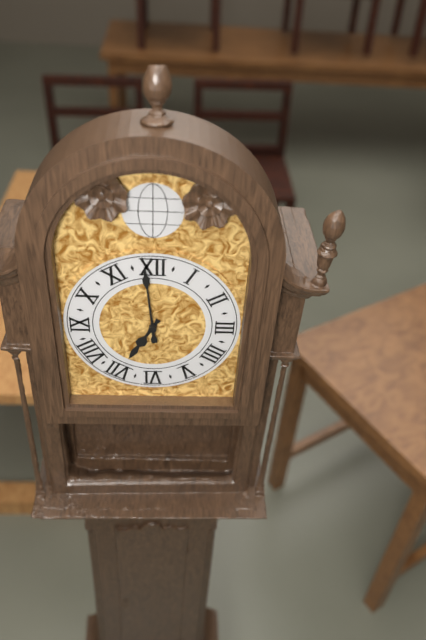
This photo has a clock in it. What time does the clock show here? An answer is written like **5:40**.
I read **6:59**
